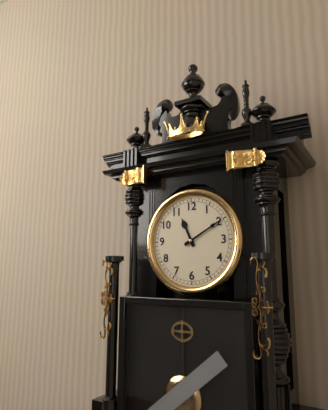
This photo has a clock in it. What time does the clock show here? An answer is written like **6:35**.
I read **11:10**
